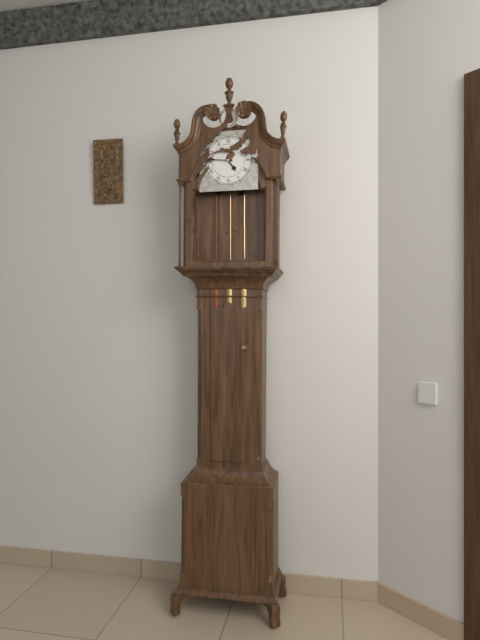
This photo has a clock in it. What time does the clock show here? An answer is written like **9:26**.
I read **4:46**
